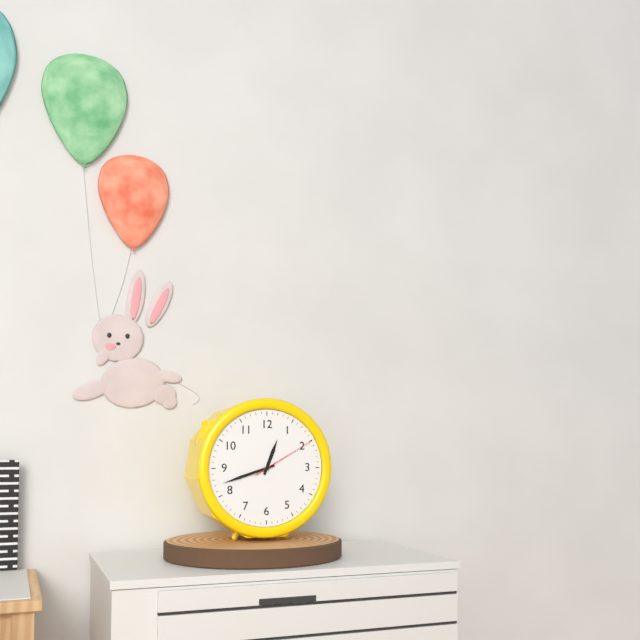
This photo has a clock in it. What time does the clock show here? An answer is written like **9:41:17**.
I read **12:42:10**
